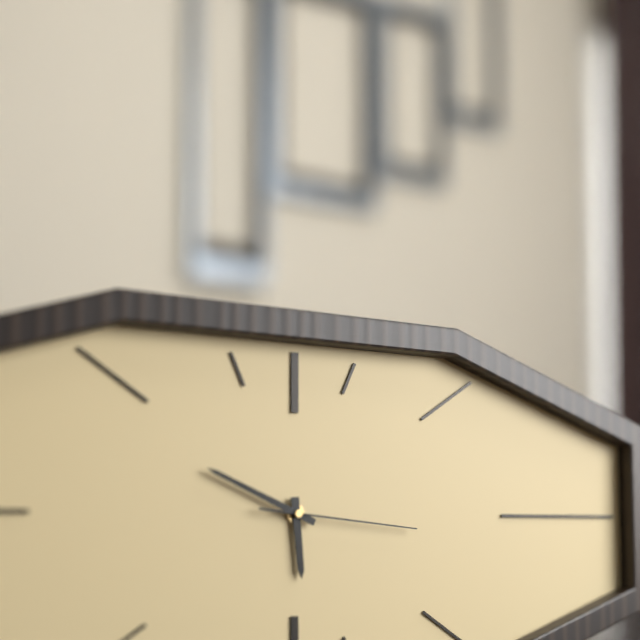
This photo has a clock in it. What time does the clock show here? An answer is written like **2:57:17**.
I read **5:49:16**
